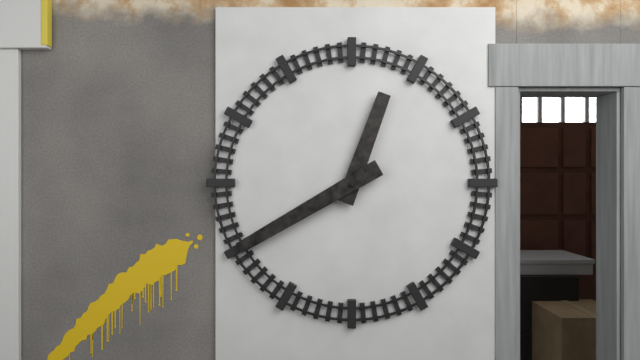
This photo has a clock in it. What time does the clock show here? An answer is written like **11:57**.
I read **12:40**
